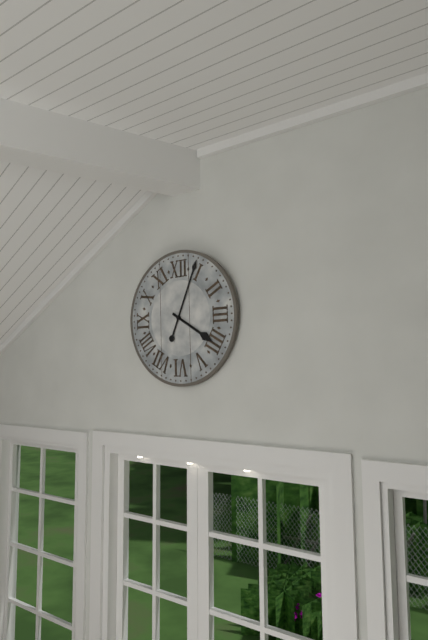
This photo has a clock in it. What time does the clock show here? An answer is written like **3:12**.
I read **4:04**
